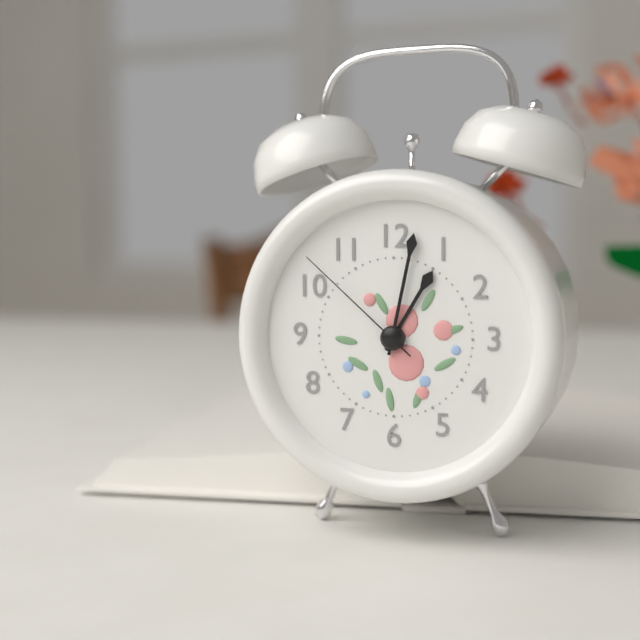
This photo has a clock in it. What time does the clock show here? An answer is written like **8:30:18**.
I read **1:02:52**
